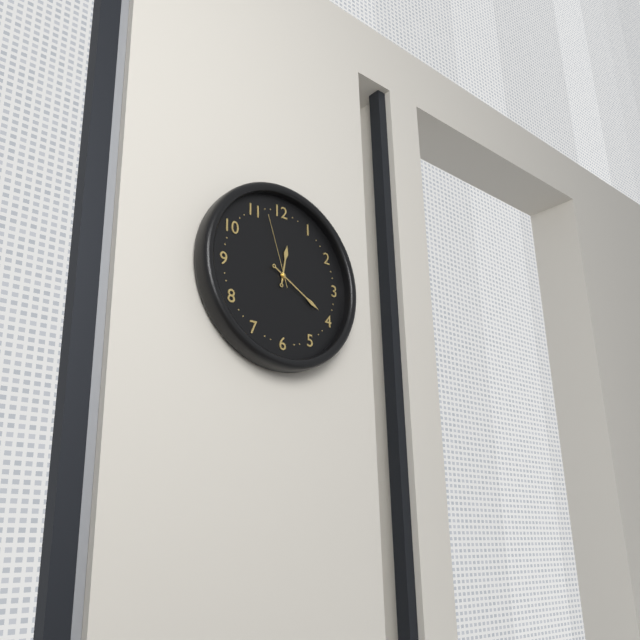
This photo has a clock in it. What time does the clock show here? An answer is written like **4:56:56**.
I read **12:20:57**
